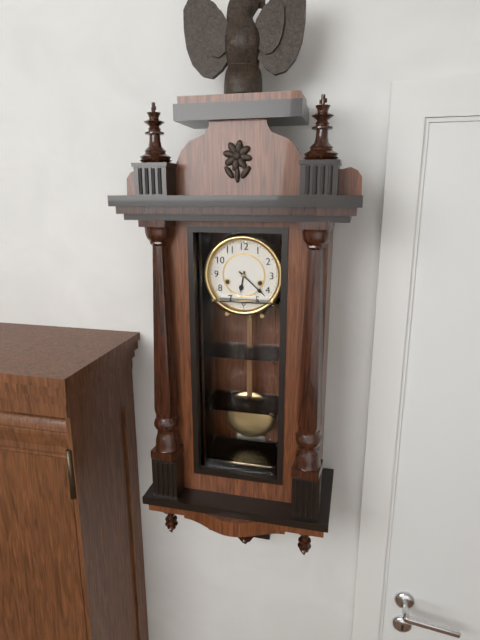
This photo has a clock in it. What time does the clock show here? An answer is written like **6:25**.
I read **6:22**
